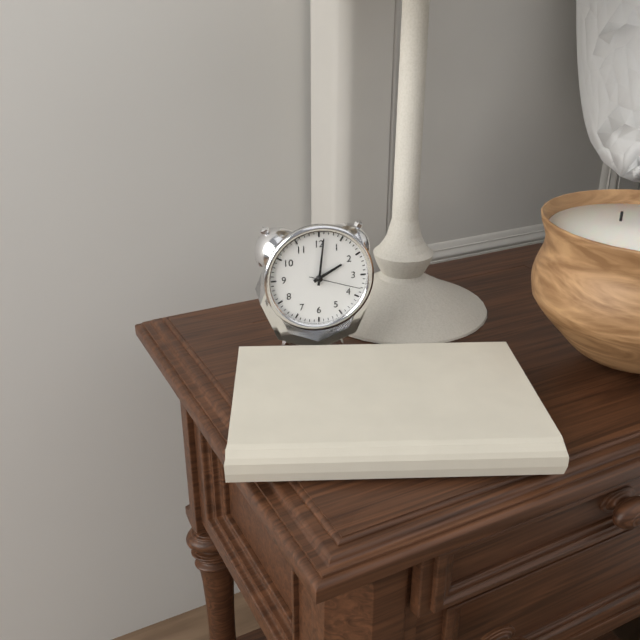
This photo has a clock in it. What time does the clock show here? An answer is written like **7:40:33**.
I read **2:01:18**
